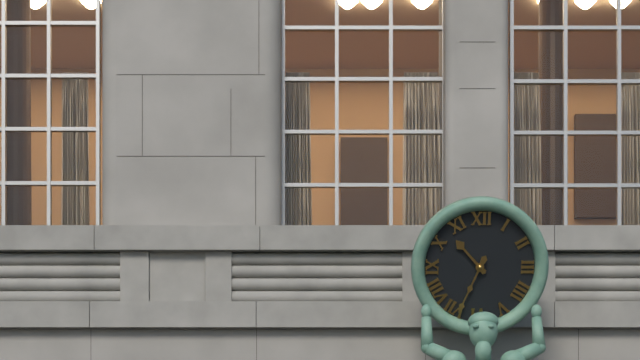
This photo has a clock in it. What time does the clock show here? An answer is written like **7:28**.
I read **10:34**
